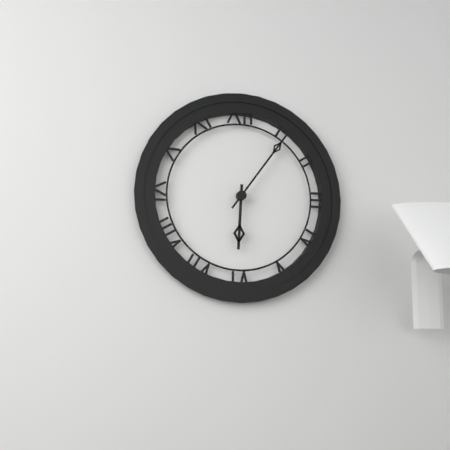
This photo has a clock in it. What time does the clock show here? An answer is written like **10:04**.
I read **6:06**
